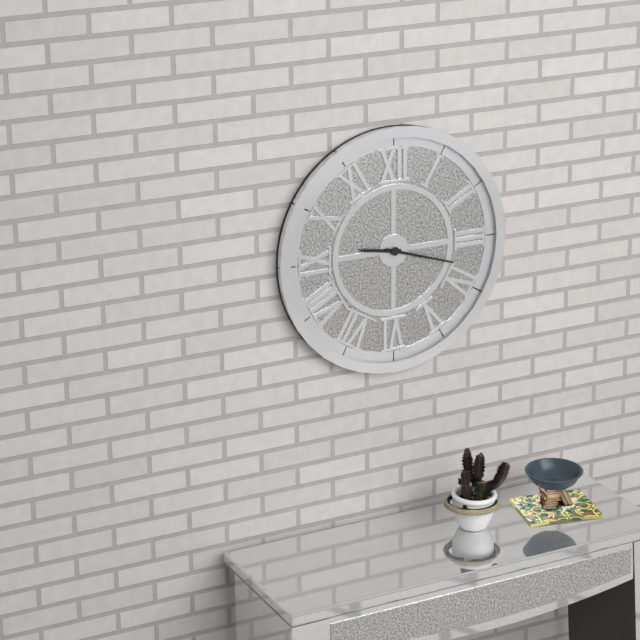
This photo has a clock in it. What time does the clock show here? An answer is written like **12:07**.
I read **9:18**
